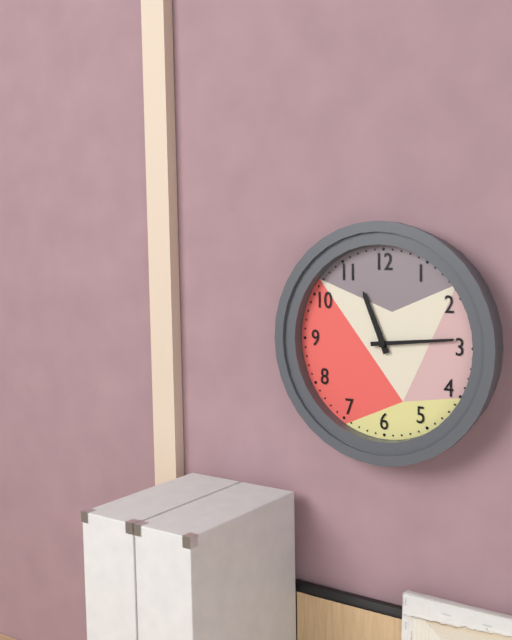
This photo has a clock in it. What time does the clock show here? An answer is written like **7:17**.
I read **11:14**
